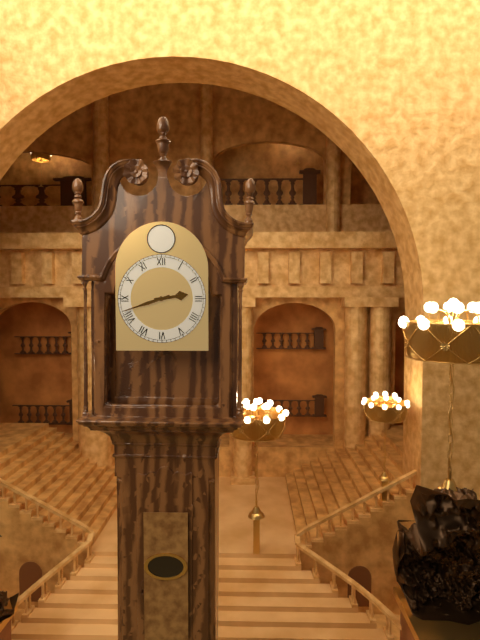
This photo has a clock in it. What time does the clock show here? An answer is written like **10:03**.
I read **2:42**
